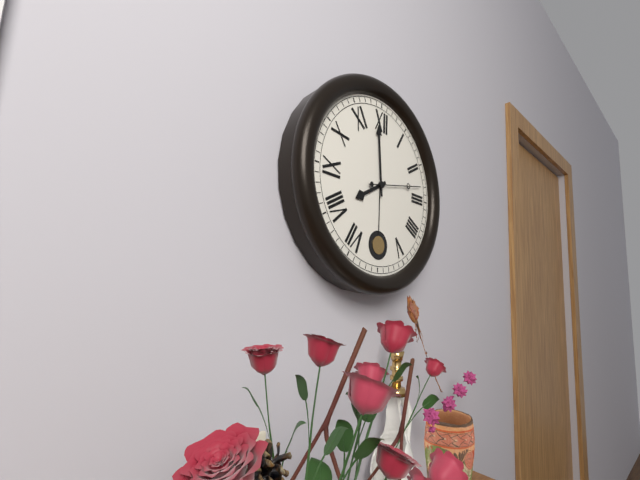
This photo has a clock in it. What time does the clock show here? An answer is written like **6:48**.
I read **7:59**
